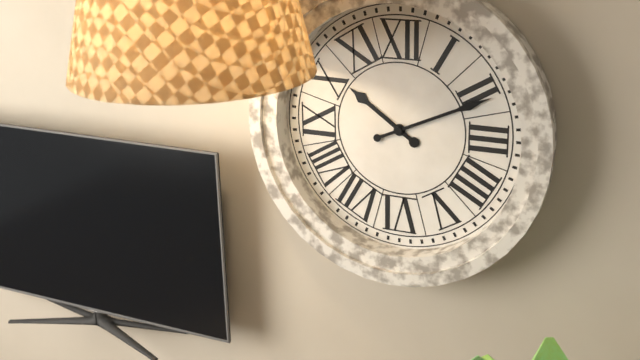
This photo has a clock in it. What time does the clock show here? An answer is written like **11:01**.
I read **10:11**
